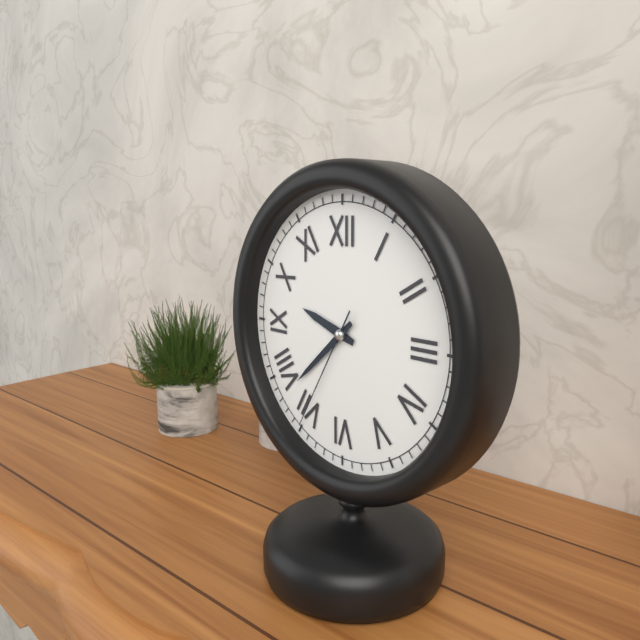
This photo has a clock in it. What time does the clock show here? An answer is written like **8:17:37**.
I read **9:38:35**
